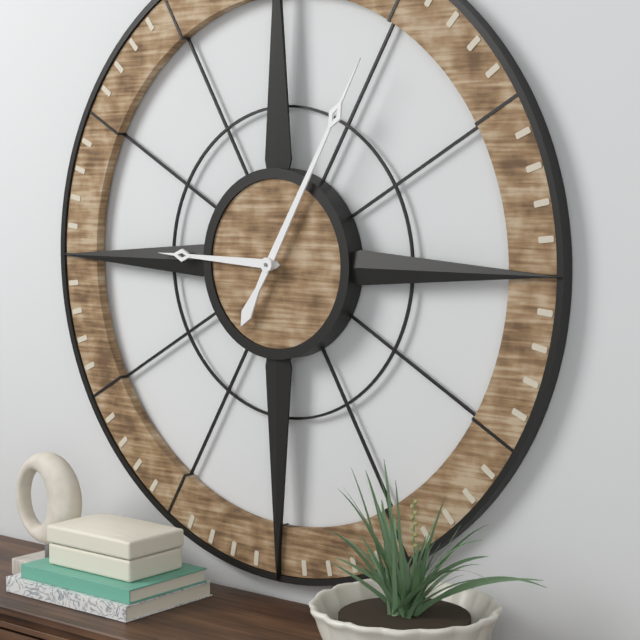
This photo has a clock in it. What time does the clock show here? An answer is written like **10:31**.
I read **9:05**
